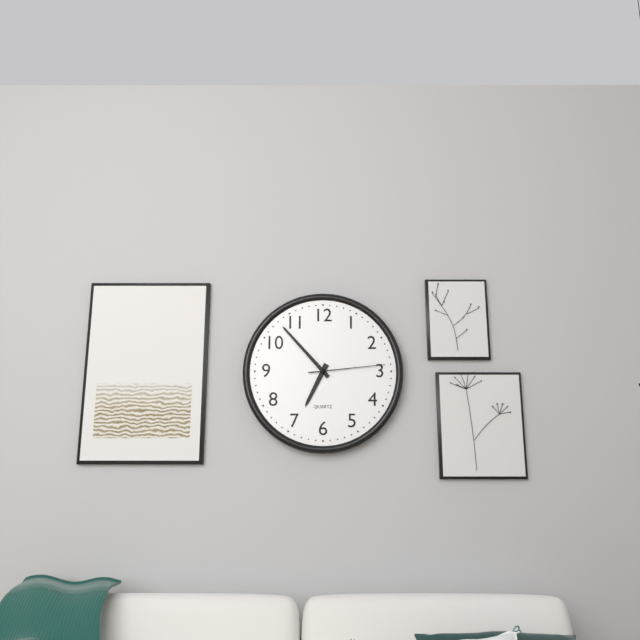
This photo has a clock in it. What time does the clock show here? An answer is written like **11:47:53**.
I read **6:53:14**
